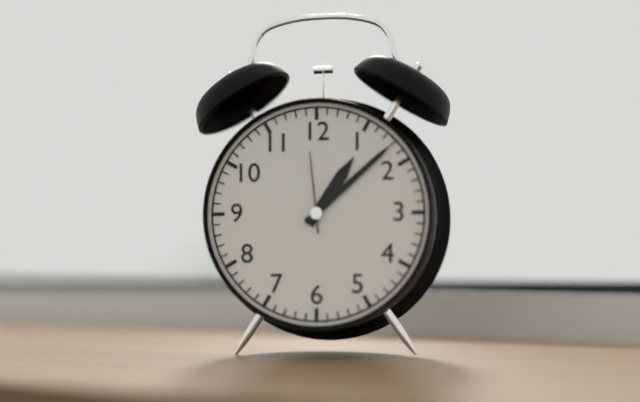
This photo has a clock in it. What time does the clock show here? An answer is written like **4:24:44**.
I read **1:08:59**
